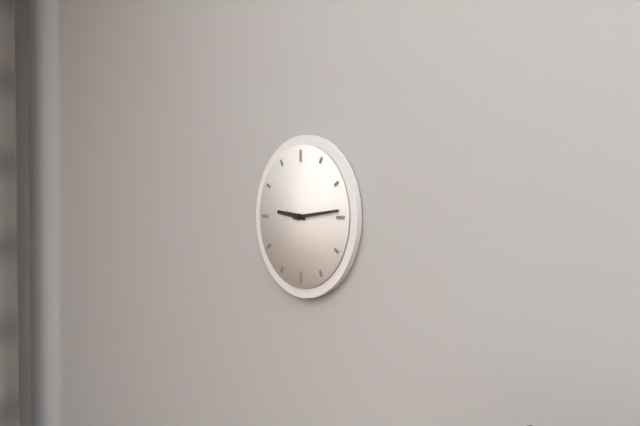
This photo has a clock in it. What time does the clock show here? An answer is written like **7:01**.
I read **9:14**
